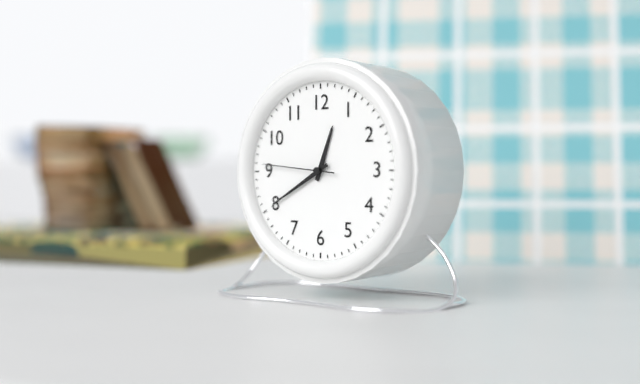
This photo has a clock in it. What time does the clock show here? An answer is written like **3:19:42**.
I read **12:40:46**
